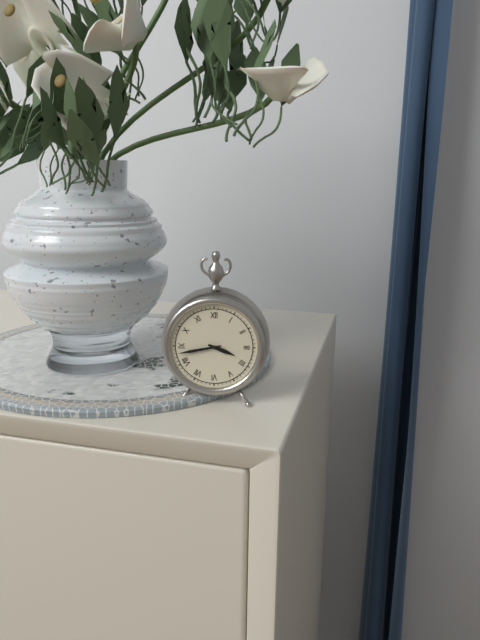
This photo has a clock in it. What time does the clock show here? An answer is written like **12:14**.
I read **3:43**
